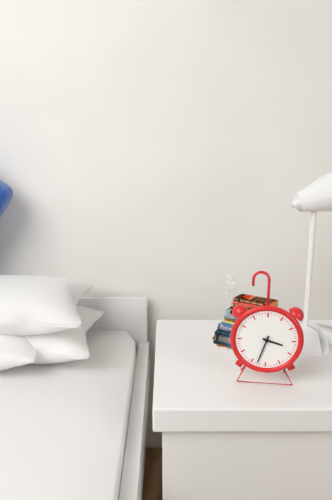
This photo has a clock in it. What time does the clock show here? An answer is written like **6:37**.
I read **3:33**
